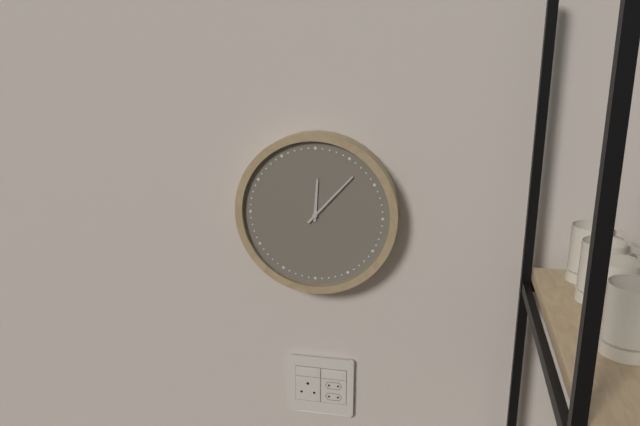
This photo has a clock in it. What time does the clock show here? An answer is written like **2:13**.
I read **12:07**
